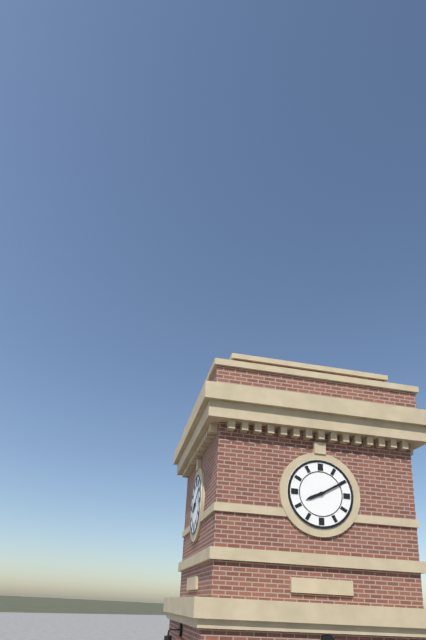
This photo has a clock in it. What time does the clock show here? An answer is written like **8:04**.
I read **8:10**
